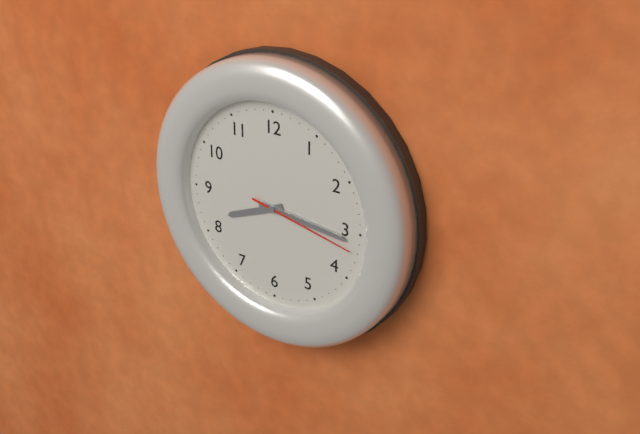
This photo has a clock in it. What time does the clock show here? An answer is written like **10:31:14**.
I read **8:16:17**
